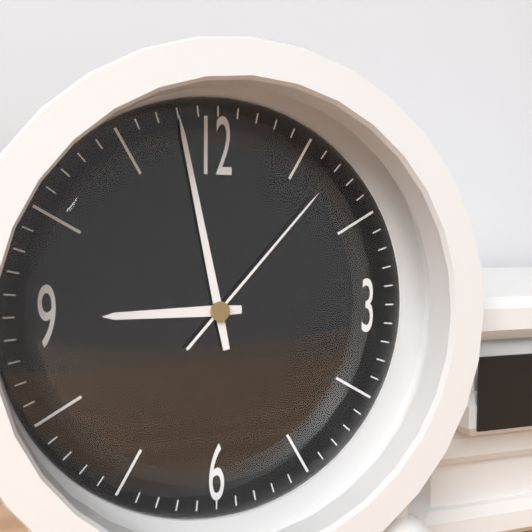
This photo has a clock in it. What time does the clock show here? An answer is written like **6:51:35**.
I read **8:58:07**
